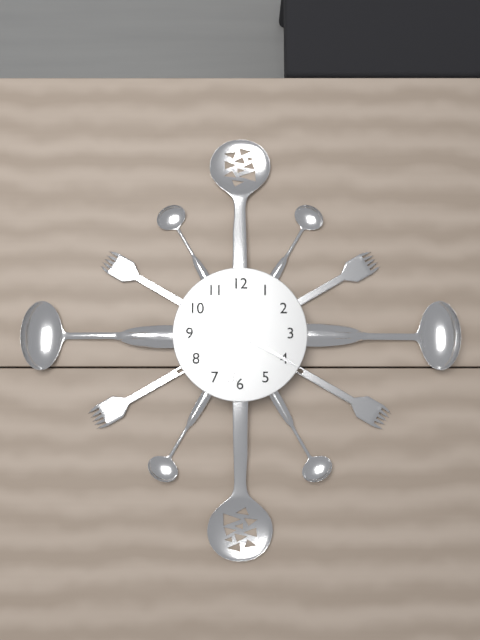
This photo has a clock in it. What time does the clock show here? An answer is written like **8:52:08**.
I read **6:20:20**
